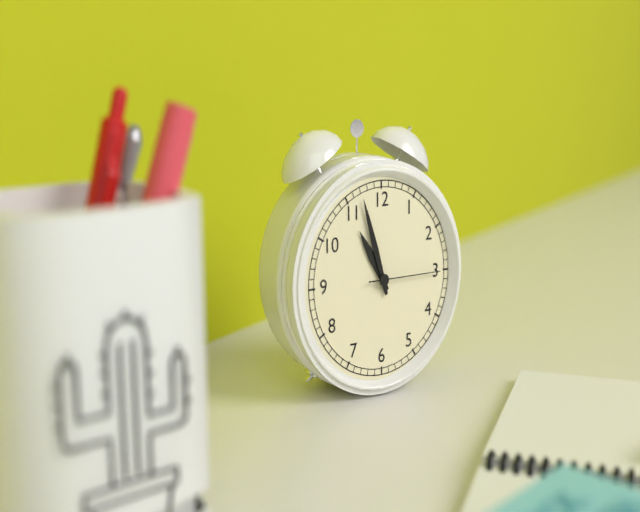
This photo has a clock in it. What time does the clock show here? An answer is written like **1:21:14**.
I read **10:57:15**
